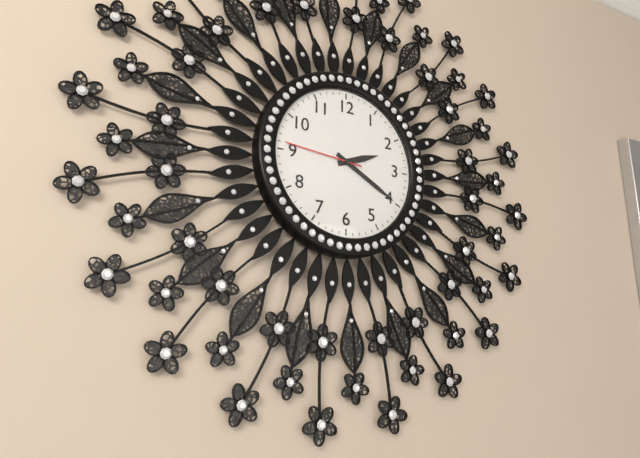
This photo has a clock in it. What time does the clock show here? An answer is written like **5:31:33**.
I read **2:20:46**
